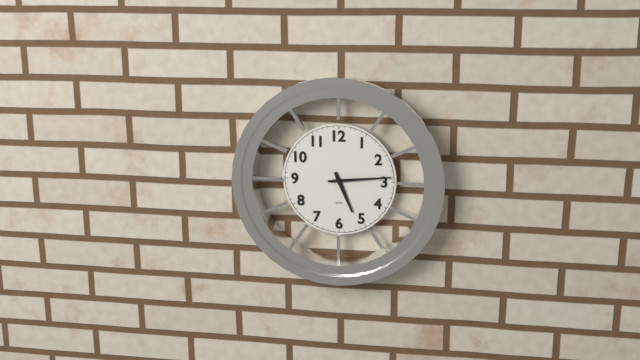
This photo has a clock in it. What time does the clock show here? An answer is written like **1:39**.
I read **5:14**
